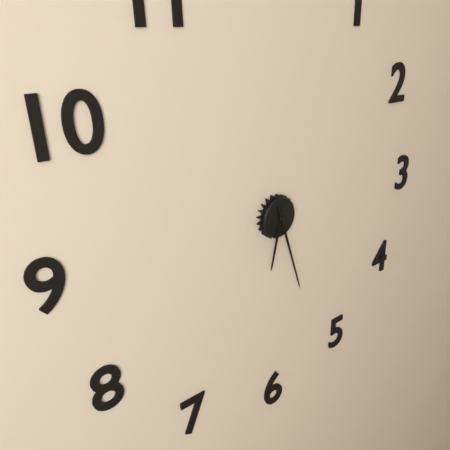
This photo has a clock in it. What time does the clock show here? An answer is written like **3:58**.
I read **6:27**
